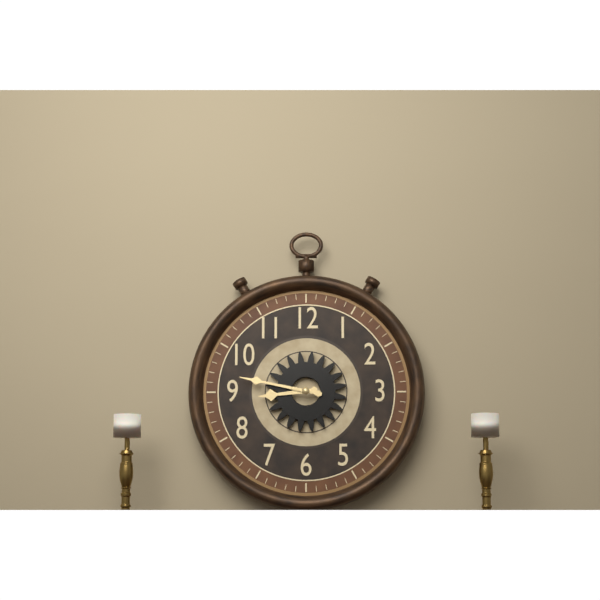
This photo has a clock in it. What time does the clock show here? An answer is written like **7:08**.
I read **8:47**
